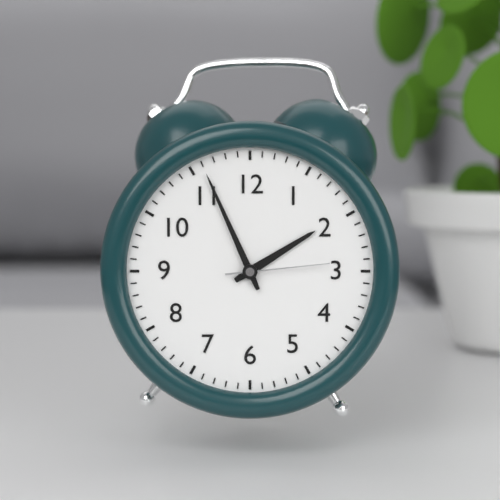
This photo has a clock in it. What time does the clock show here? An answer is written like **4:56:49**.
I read **1:56:14**
